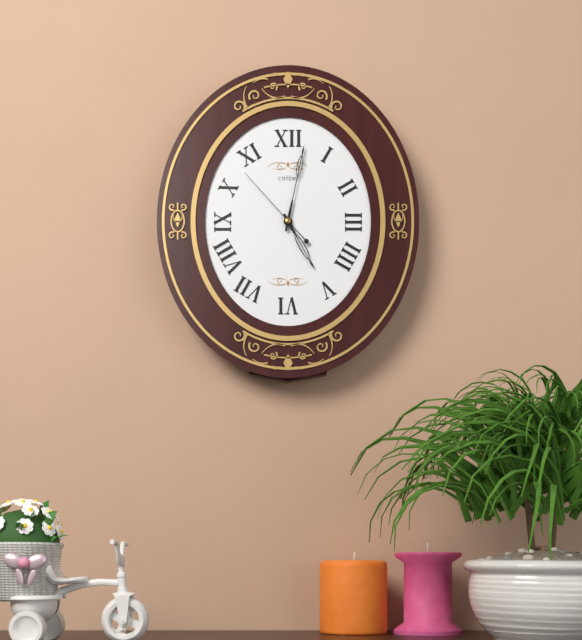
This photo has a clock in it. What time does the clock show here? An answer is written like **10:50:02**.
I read **5:02:53**
